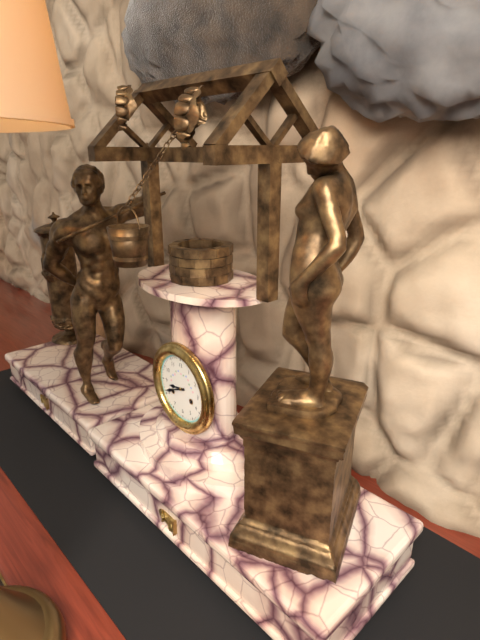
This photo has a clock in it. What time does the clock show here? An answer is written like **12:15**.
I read **8:41**
